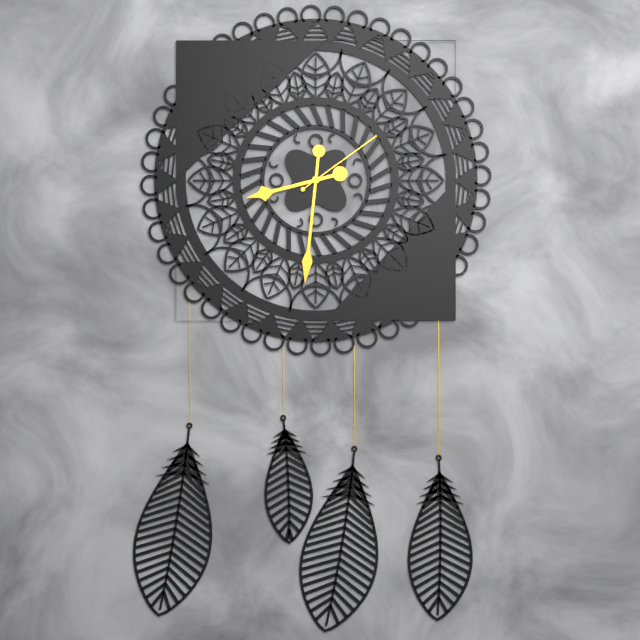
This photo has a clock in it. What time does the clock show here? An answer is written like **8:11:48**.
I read **8:31:09**
